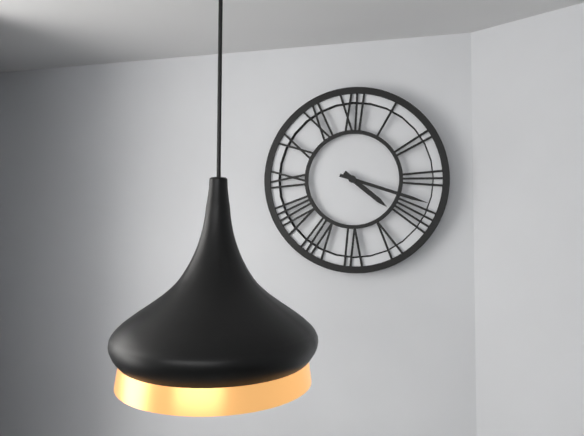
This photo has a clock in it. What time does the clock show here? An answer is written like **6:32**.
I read **4:18**
